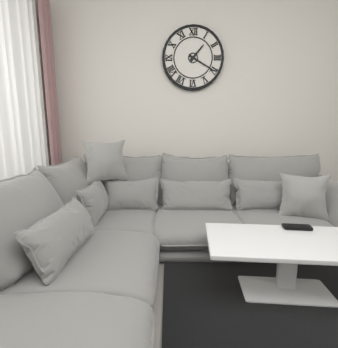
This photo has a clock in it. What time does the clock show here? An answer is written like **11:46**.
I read **1:20**
